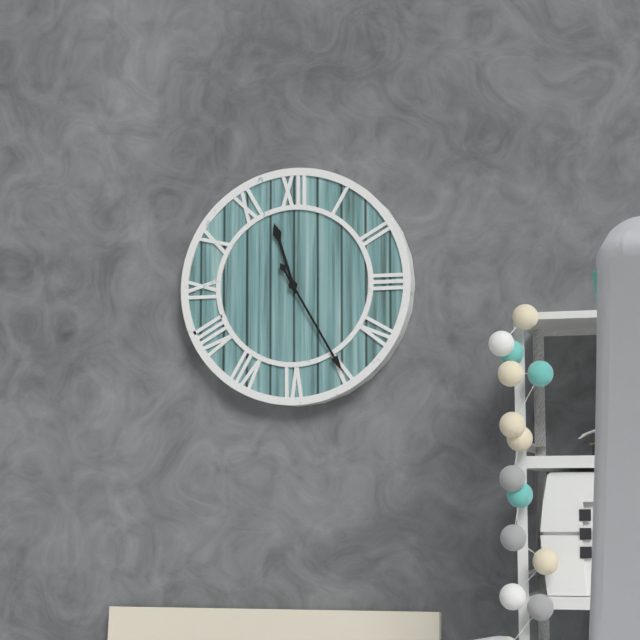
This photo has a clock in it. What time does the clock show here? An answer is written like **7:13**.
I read **11:25**
